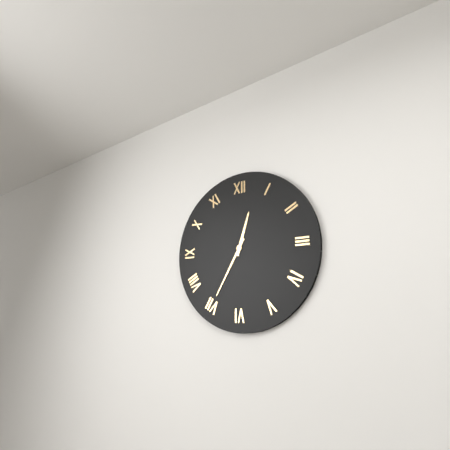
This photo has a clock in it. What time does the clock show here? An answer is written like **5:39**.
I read **12:35**
